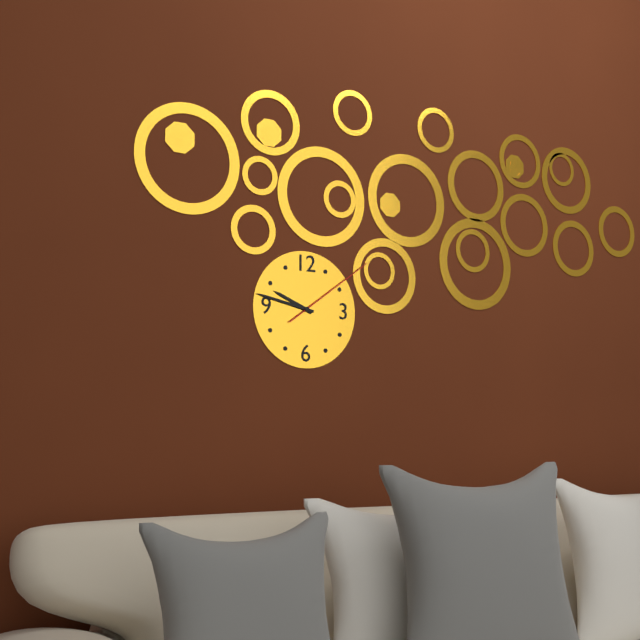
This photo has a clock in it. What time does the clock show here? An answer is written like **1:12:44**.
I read **9:47:09**
